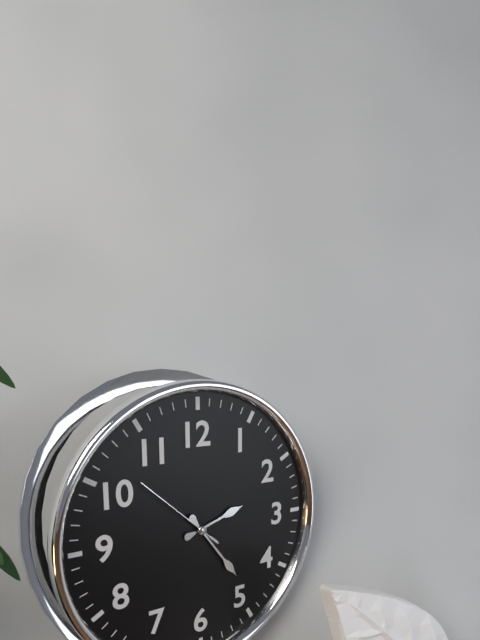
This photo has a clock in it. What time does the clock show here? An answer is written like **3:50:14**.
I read **2:24:52**
